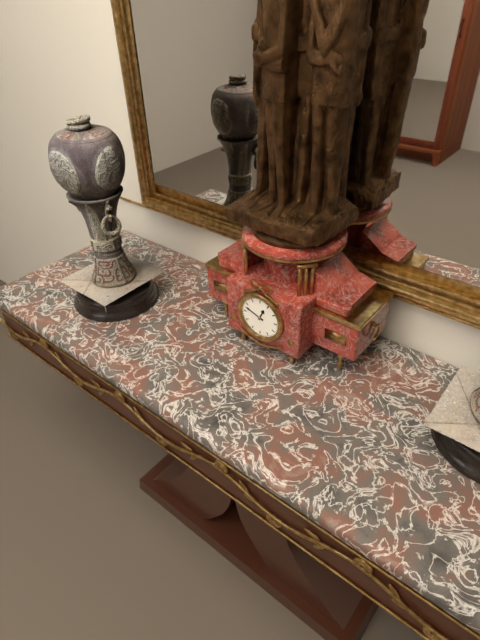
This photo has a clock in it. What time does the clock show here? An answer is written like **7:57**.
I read **12:48**
